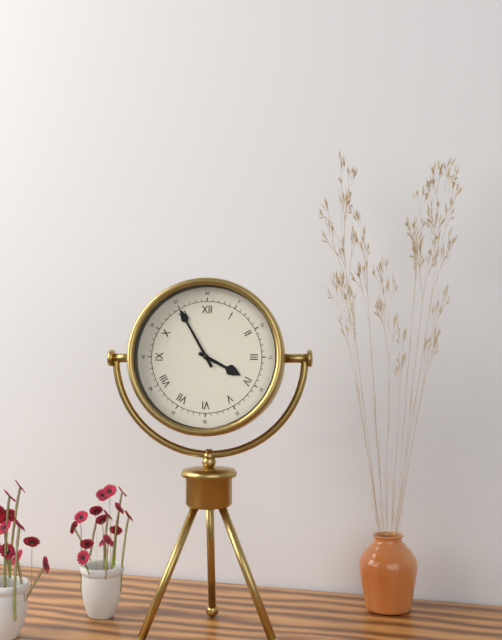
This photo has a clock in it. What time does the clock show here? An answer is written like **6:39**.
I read **3:55**
